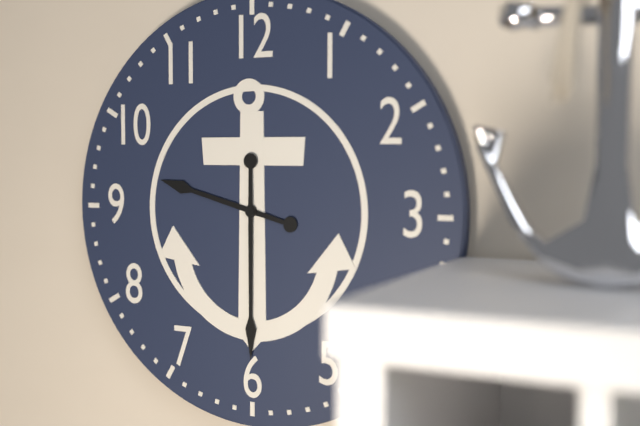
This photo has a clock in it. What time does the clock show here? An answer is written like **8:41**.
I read **9:30**
